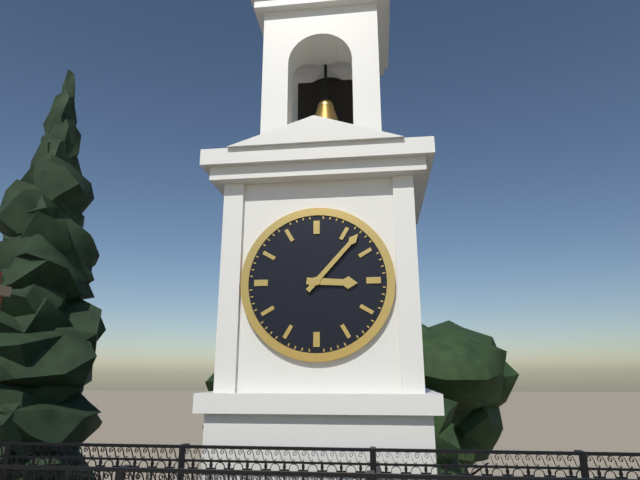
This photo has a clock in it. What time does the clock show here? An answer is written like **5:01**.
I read **3:07**
